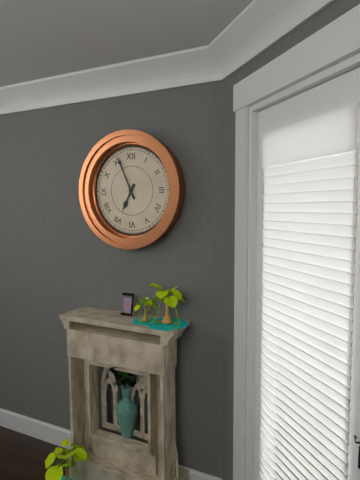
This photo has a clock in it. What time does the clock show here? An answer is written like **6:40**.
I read **6:56**
